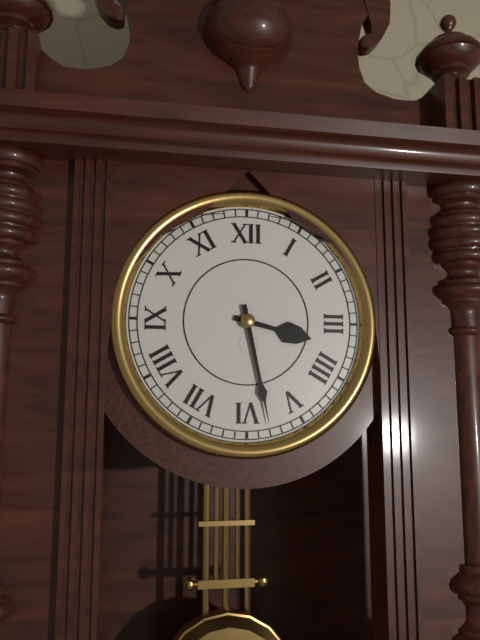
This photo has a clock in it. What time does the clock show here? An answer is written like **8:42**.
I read **3:28**
